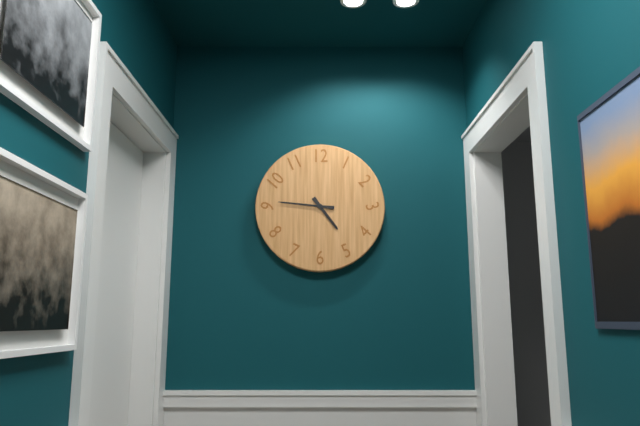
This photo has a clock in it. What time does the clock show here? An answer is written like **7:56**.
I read **4:46**
